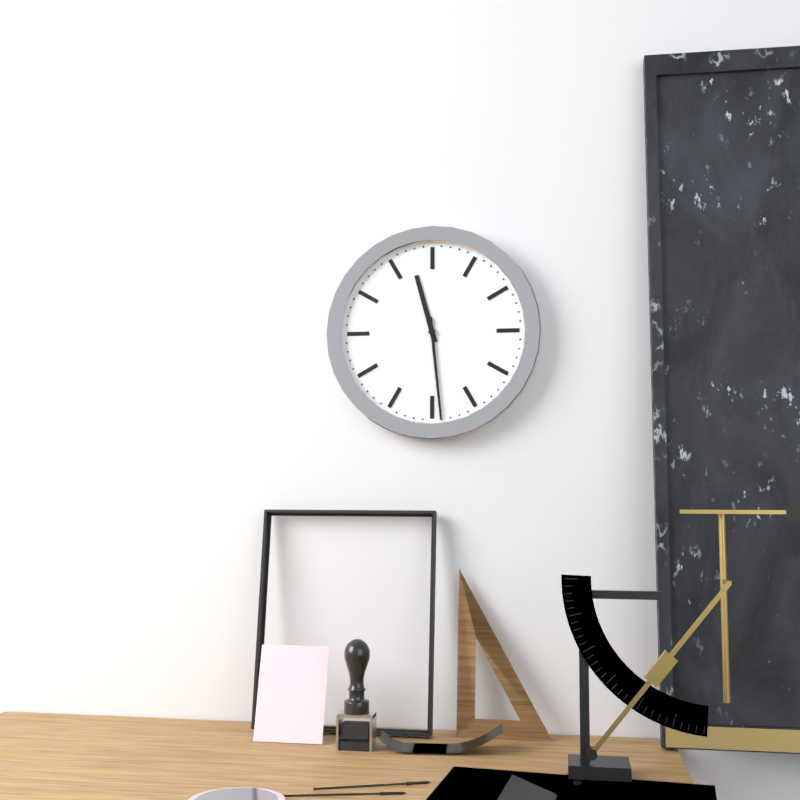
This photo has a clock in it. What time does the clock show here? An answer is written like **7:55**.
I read **11:29**
